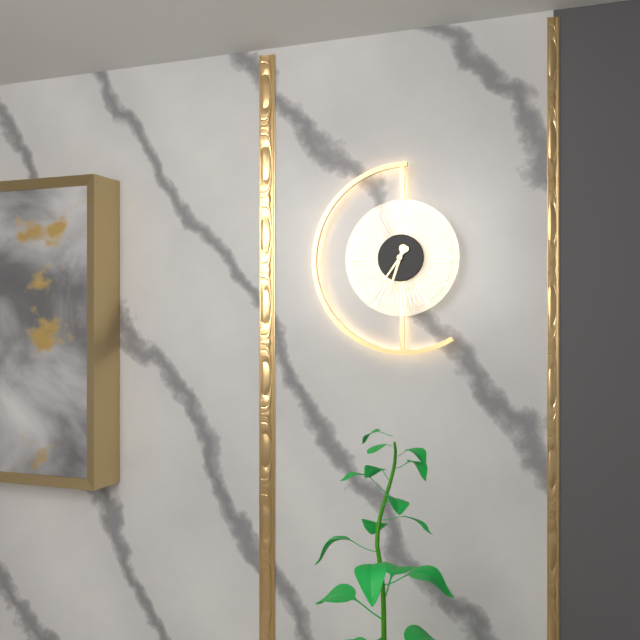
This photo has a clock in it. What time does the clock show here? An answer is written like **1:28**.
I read **6:36**
